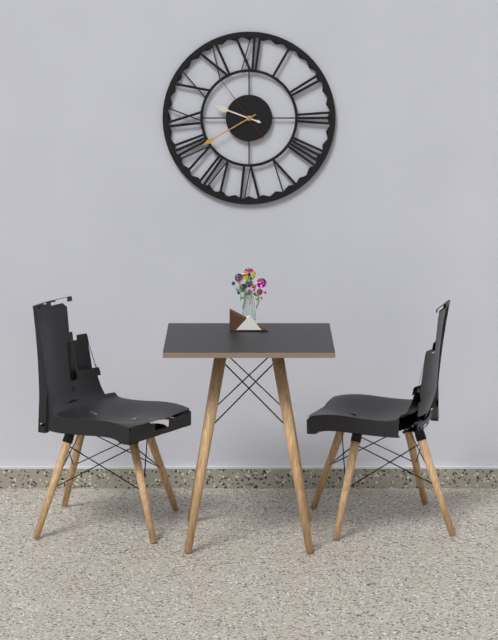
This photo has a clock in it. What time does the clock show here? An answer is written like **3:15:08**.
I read **9:40:54**
